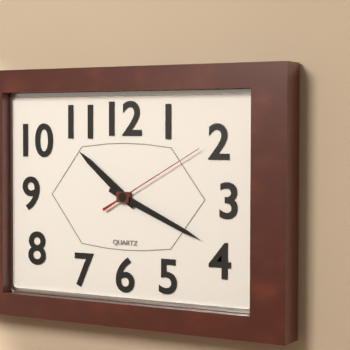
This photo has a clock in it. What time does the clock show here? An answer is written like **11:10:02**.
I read **10:19:10**
